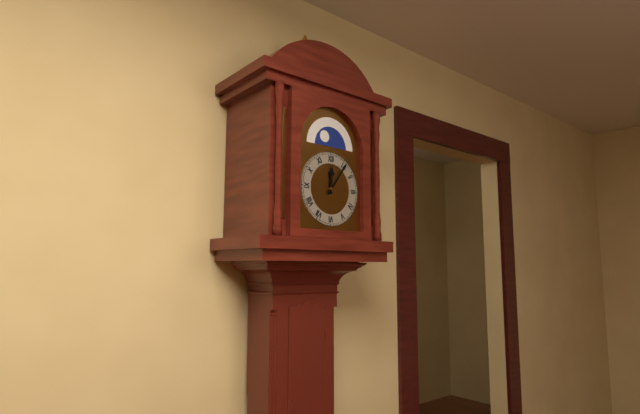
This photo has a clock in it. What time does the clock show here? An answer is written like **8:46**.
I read **12:06**
